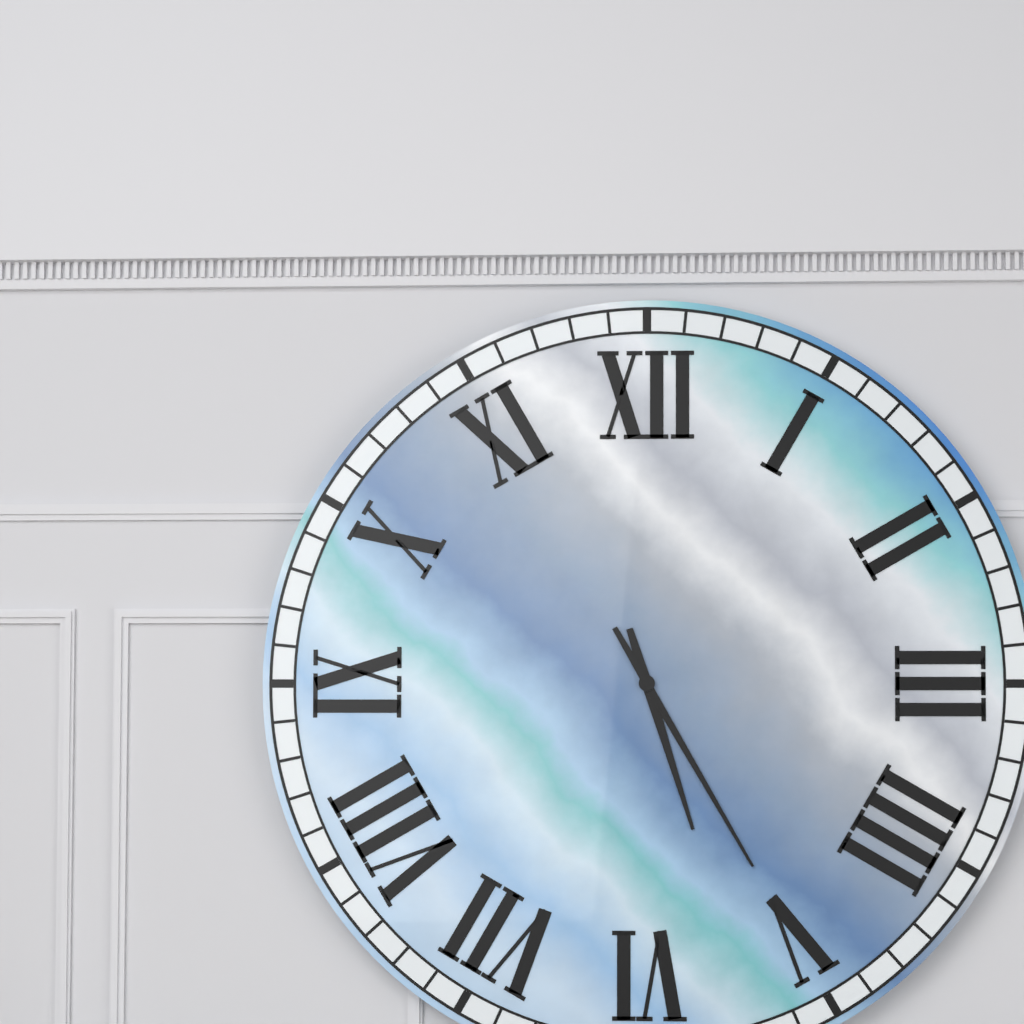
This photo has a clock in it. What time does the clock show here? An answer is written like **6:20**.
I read **5:25**
